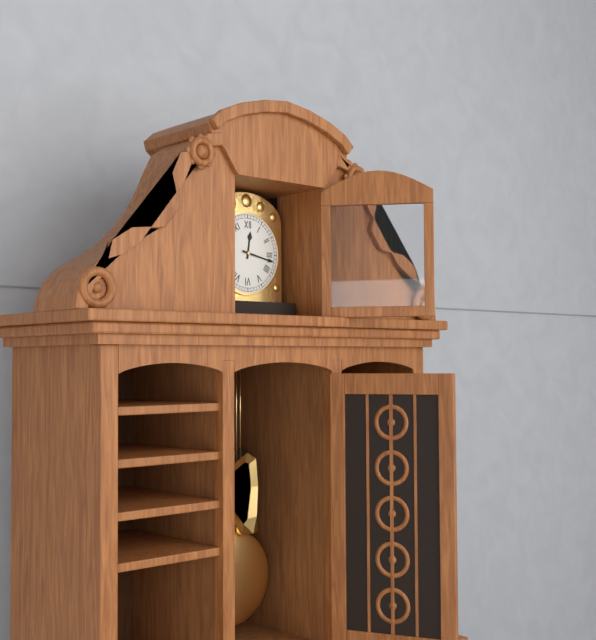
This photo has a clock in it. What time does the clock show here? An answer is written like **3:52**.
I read **12:17**
